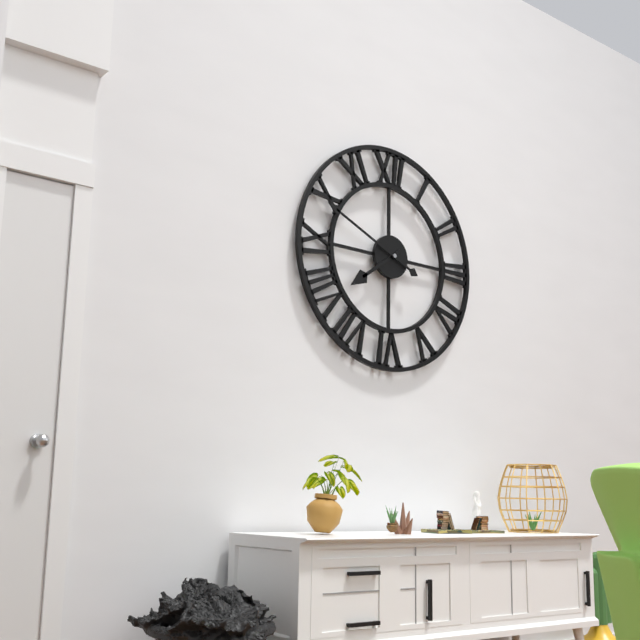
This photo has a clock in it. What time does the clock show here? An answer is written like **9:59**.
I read **7:49**
